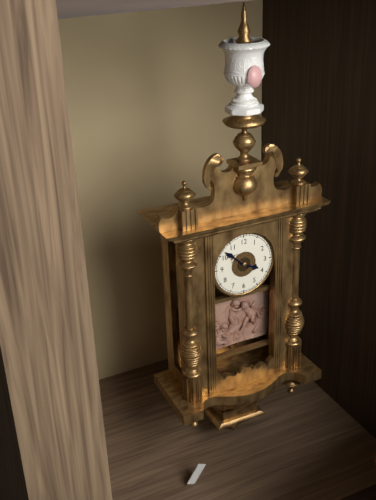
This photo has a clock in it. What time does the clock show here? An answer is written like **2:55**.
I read **3:52**
